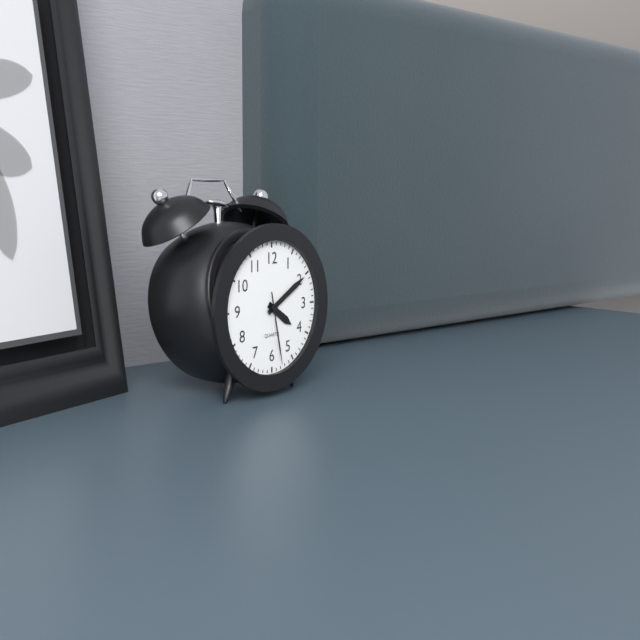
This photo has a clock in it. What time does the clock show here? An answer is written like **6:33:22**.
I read **4:10:28**
